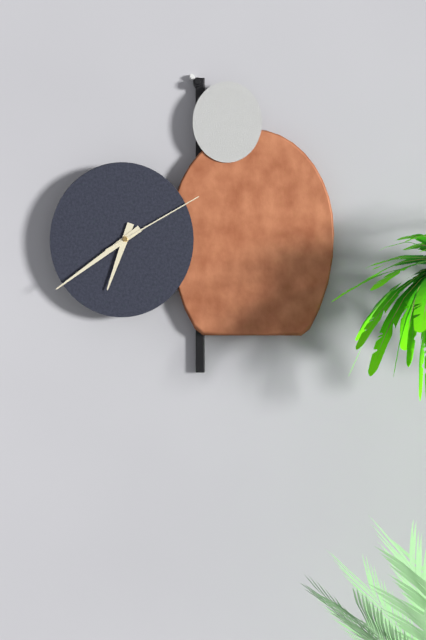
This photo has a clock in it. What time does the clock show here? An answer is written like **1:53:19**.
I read **6:39:10**
